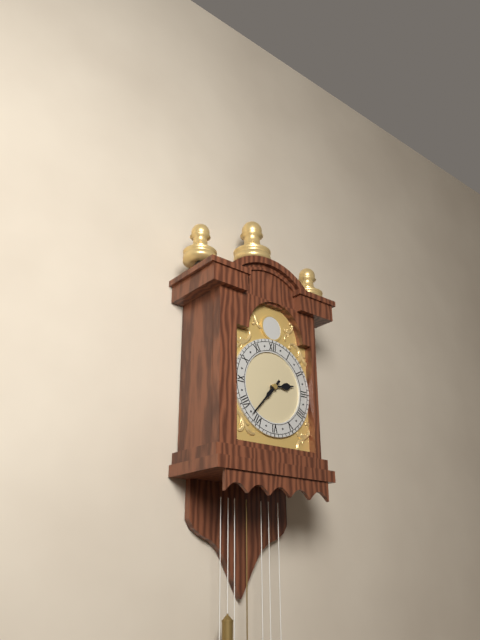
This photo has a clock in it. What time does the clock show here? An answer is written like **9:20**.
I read **2:37**
